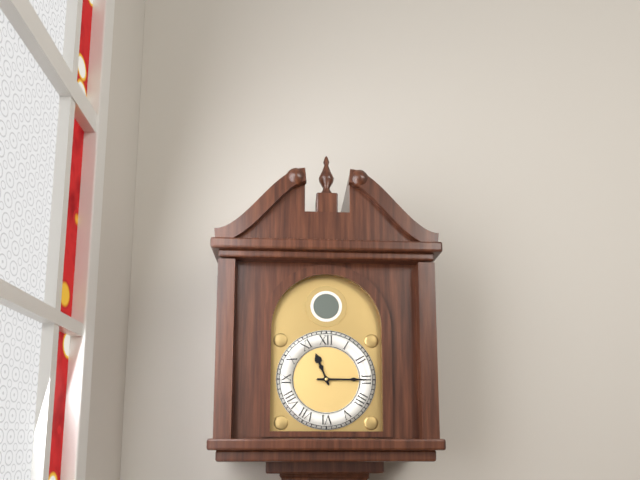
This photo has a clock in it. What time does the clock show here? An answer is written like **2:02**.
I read **11:15**
